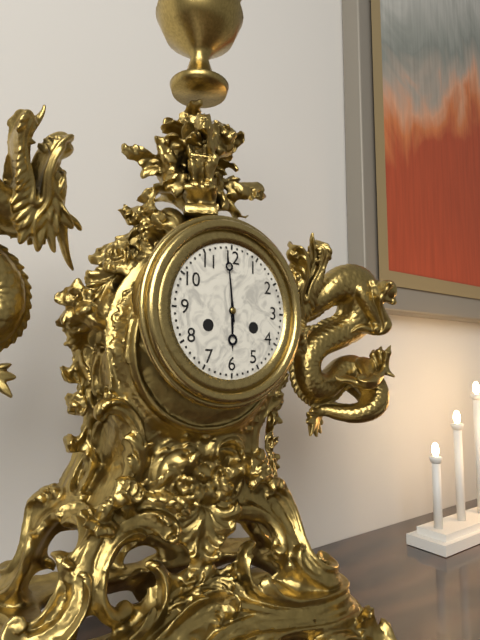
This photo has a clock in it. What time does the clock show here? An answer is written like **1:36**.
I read **5:59**
